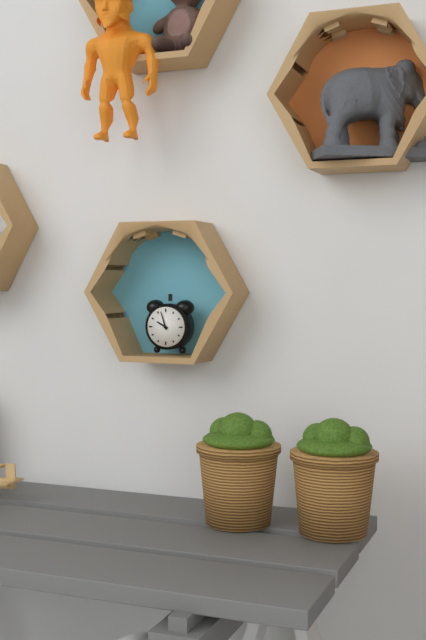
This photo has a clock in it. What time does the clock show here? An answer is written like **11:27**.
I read **9:57**
